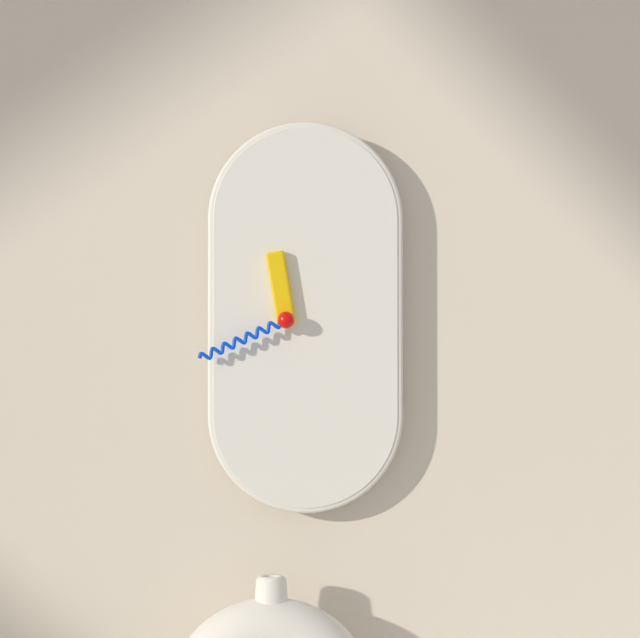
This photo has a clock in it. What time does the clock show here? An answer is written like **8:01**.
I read **11:41**
